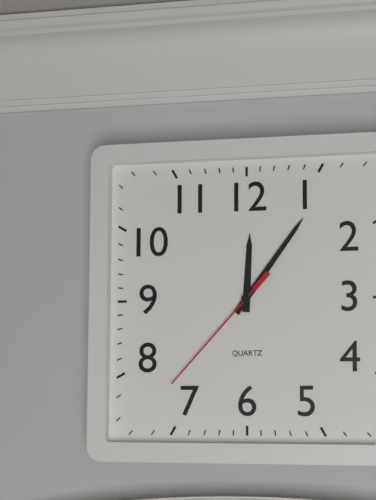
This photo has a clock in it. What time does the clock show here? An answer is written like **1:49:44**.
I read **12:06:37**
